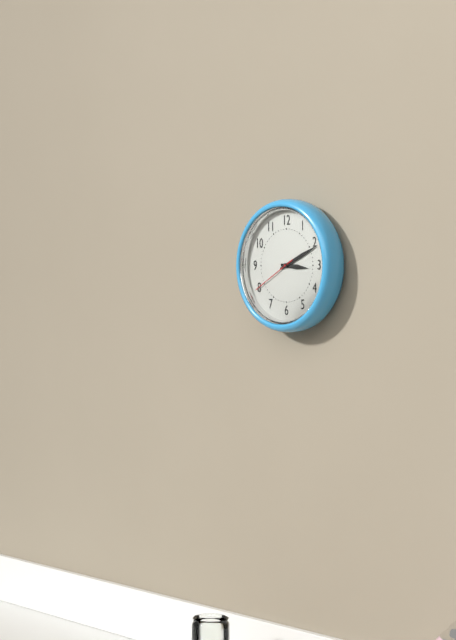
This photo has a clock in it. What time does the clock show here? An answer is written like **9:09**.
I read **3:11**
